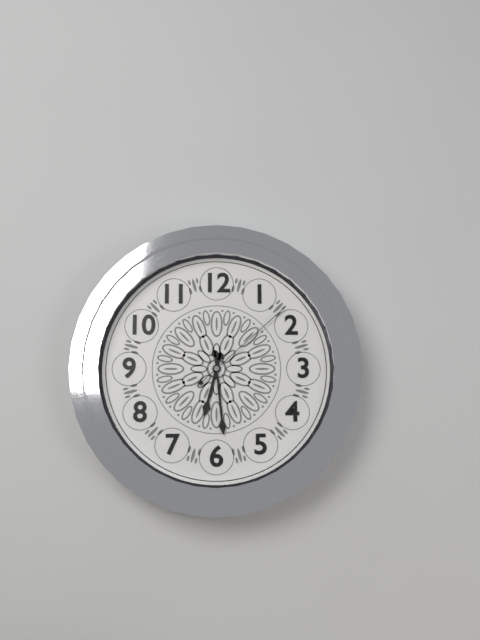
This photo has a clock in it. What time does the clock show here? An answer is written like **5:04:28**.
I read **6:29:08**
